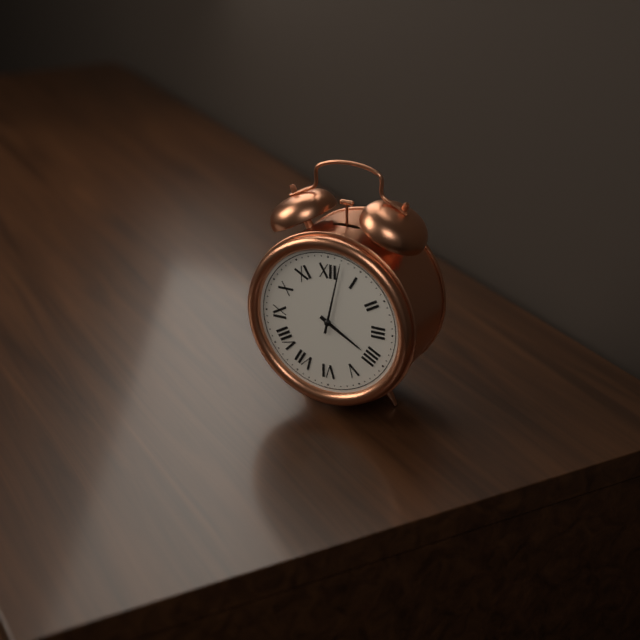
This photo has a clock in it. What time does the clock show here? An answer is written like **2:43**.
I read **4:02**
